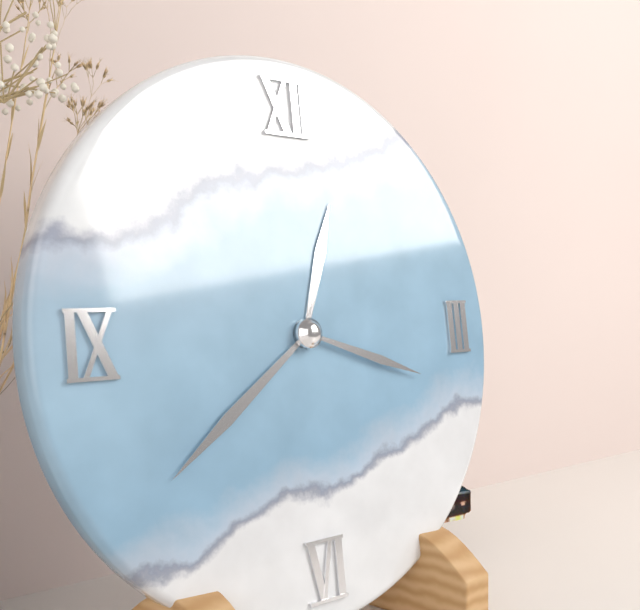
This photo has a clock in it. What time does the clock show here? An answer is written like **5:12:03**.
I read **12:39:18**
